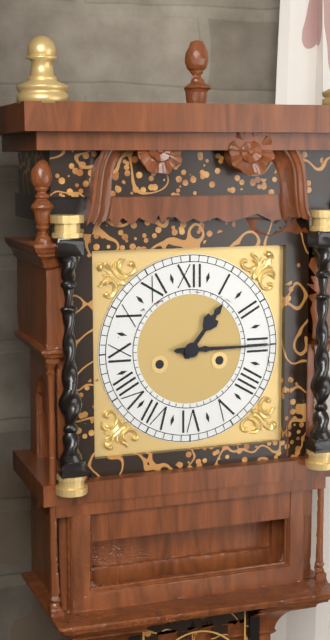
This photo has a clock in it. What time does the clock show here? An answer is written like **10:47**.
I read **1:15**
